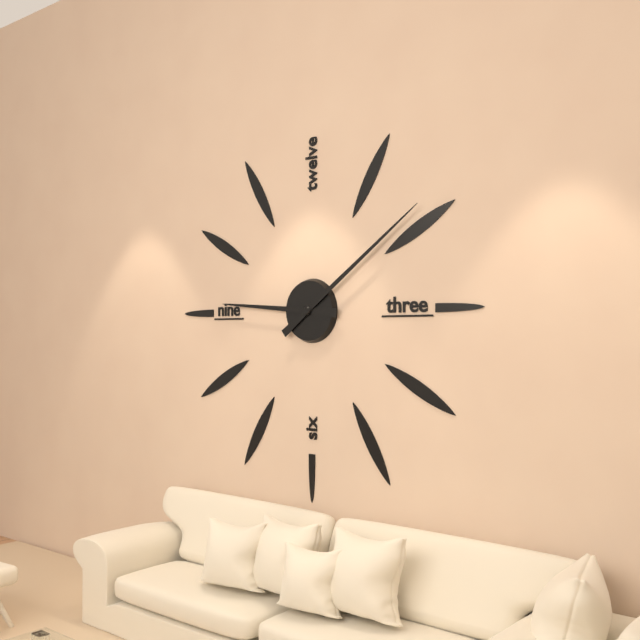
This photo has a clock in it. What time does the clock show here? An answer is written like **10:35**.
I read **9:09**
